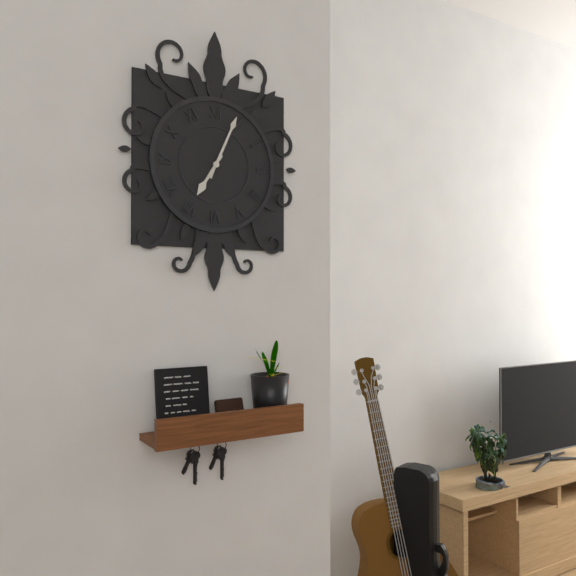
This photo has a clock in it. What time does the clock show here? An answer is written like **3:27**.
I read **7:04**
